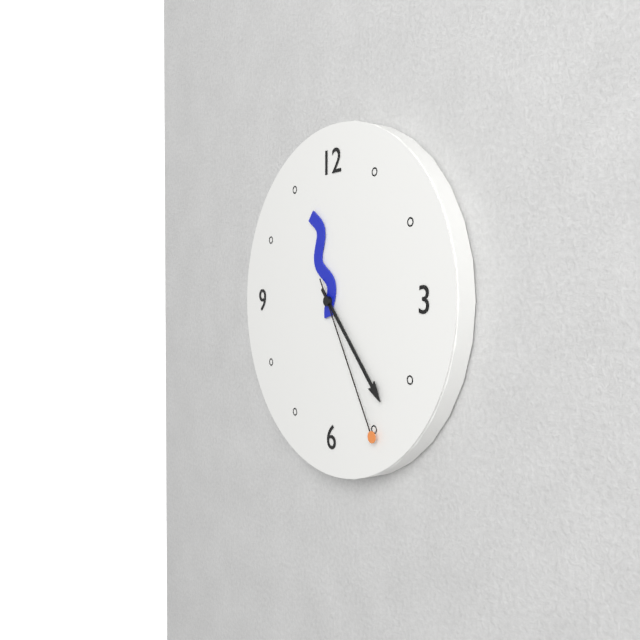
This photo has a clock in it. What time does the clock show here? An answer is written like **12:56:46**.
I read **11:23:25**
